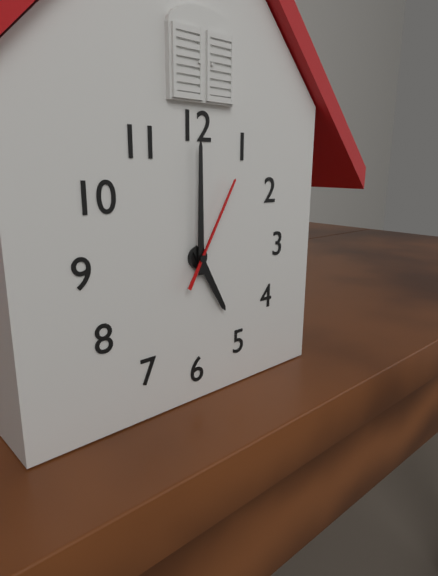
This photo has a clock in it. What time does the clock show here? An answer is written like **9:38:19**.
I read **5:00:05**
